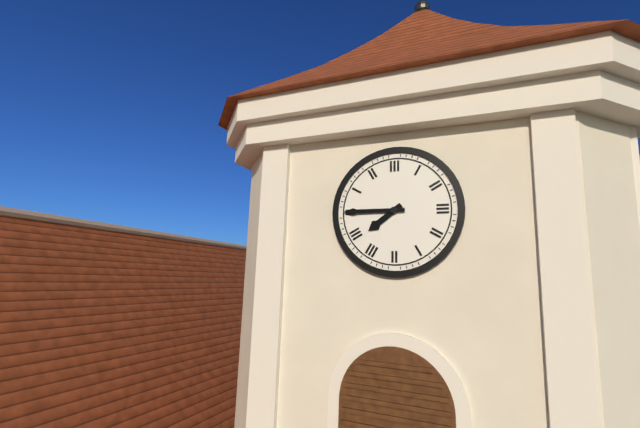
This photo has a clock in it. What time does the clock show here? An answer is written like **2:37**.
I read **7:45**
